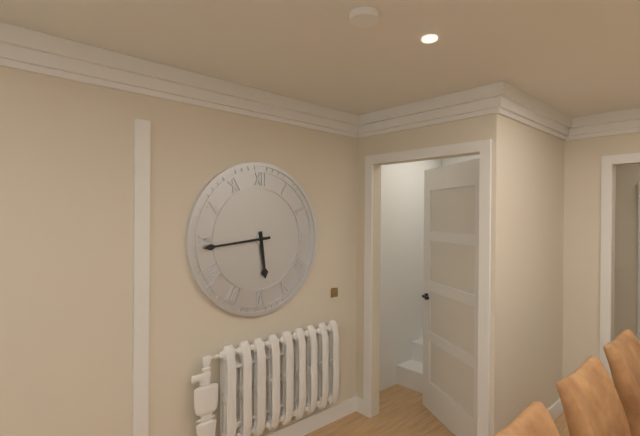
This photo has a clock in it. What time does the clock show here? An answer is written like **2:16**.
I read **5:44**
